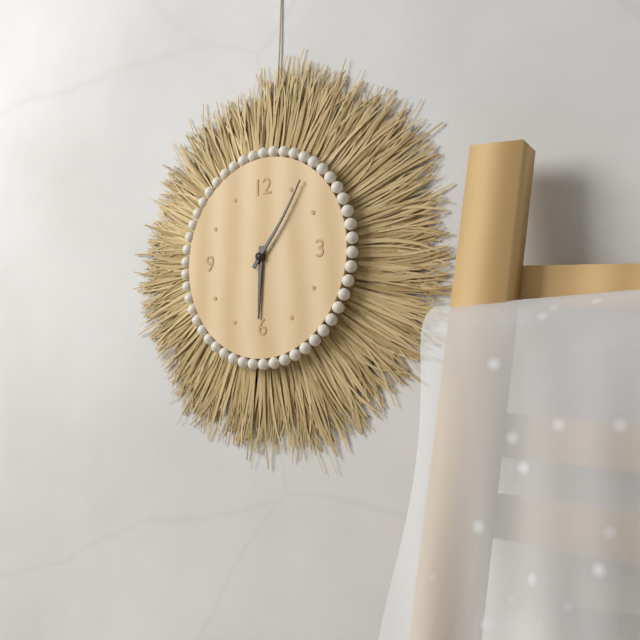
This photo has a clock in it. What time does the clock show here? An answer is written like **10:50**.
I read **6:06**
